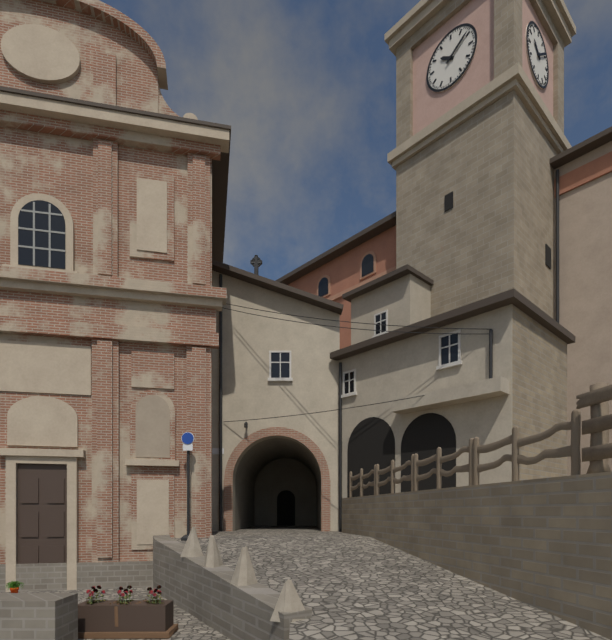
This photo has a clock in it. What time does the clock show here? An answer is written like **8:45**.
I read **10:09**
